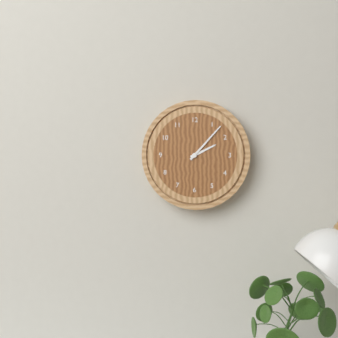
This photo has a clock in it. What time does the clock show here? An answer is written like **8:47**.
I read **2:07**
